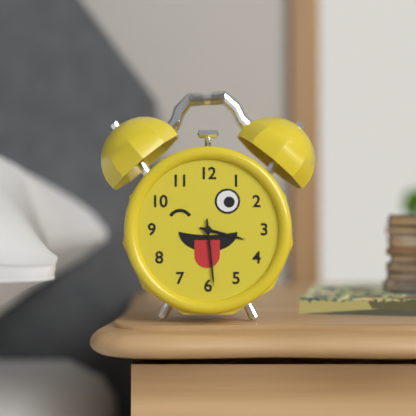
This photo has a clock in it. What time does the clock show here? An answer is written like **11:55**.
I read **3:29**
